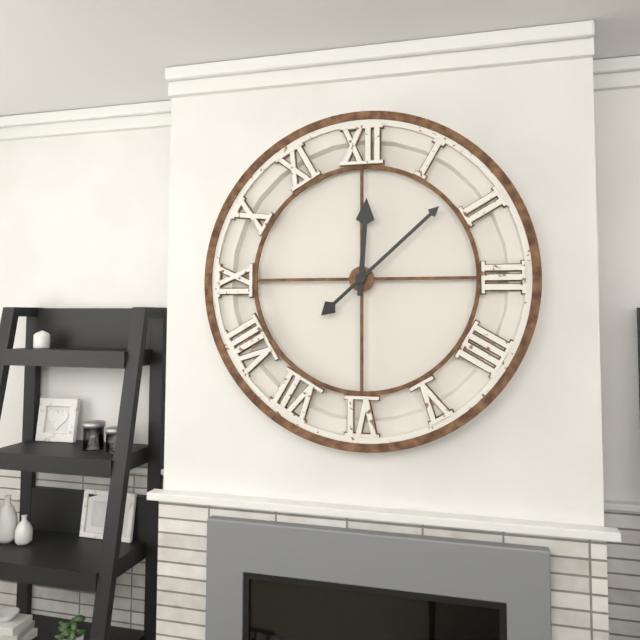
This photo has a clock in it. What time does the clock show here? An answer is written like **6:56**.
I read **12:08**
